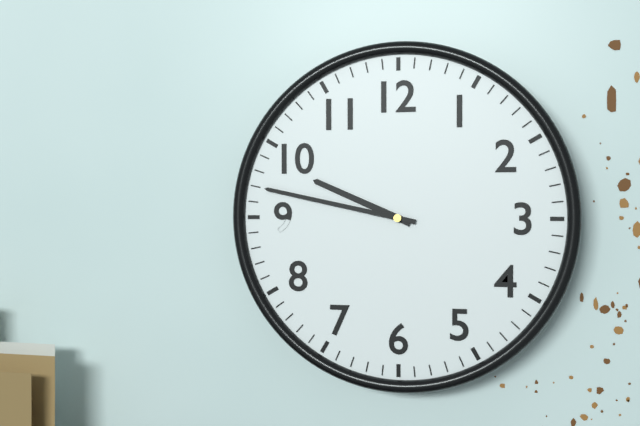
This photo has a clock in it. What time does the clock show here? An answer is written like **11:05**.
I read **9:47**
